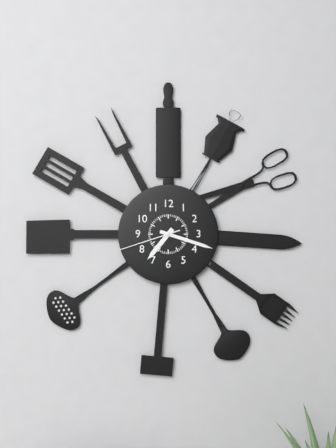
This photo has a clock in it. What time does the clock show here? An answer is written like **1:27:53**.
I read **7:18:42**
